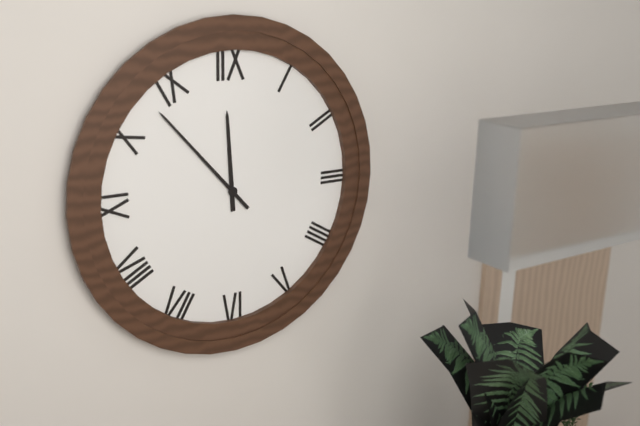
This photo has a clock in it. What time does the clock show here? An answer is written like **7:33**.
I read **11:53**
